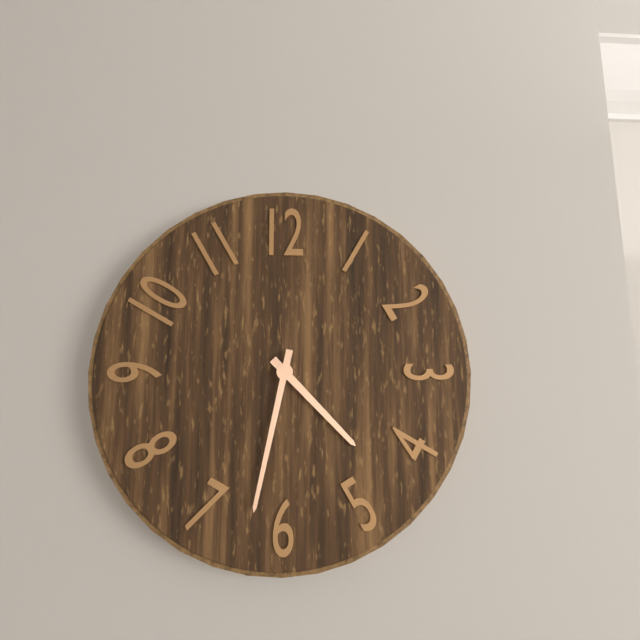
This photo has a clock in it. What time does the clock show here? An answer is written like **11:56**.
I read **4:32**
